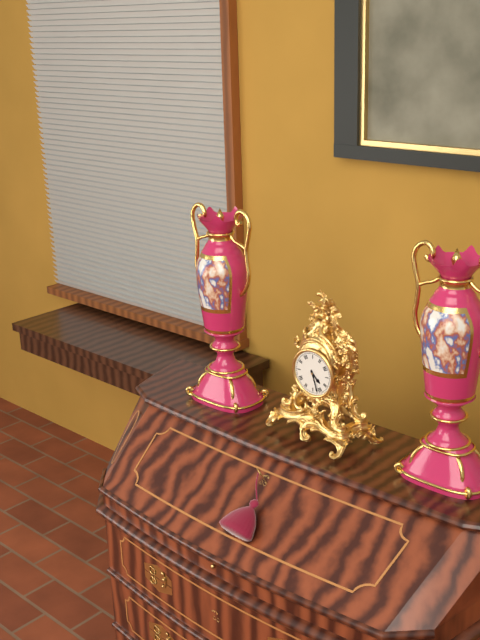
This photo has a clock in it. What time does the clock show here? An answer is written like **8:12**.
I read **4:27**
